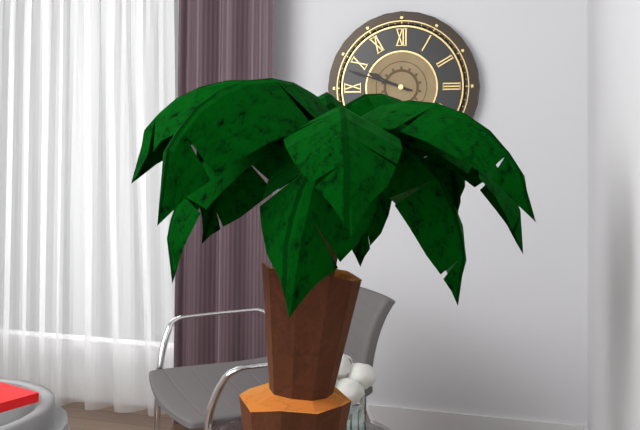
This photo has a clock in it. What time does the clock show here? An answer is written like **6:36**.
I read **9:48**
